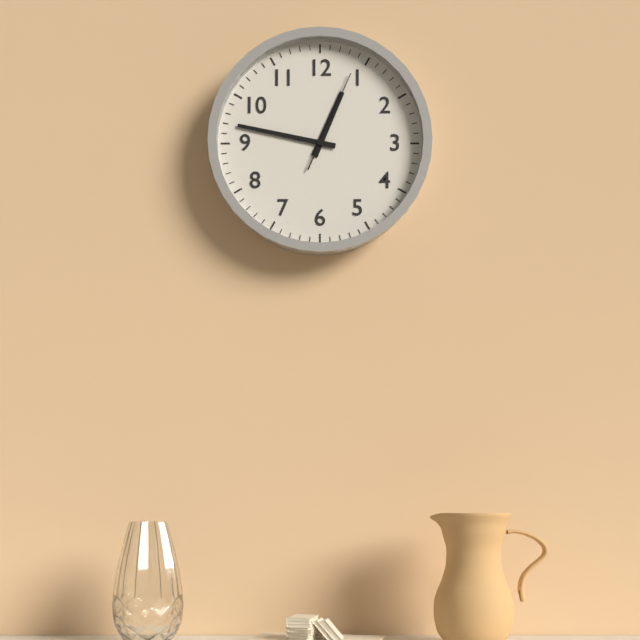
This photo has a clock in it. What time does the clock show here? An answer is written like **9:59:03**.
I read **12:47:04**
